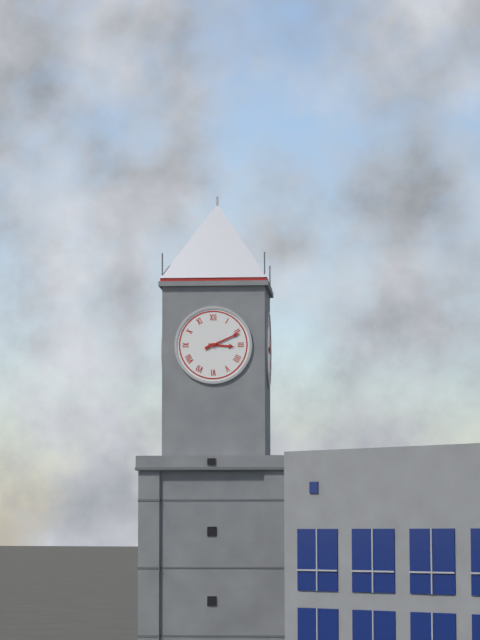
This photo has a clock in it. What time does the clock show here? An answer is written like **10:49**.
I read **3:11**
